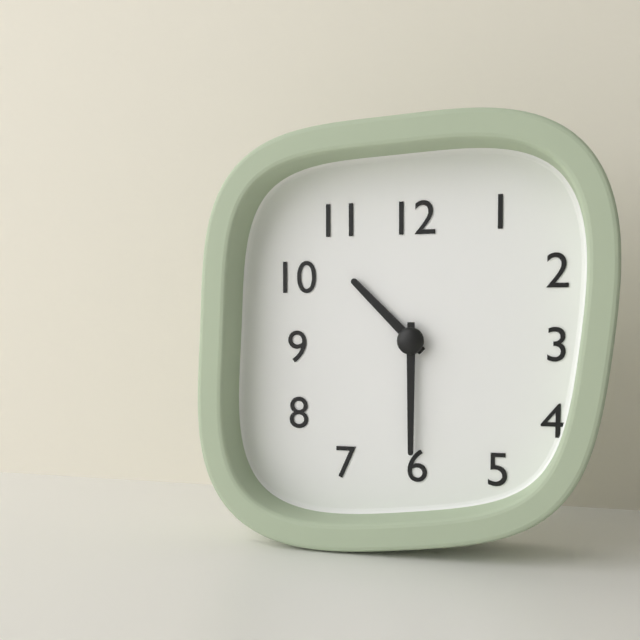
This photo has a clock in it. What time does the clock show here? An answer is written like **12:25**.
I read **10:30**
